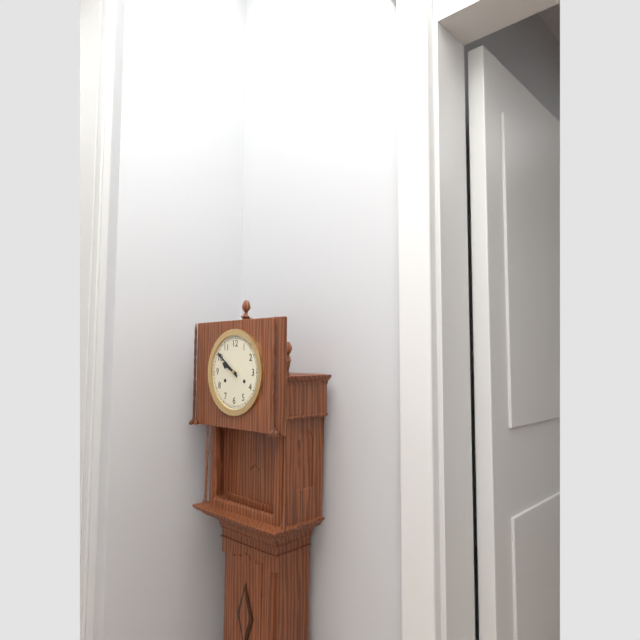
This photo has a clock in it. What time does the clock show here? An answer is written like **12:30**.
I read **9:51**
